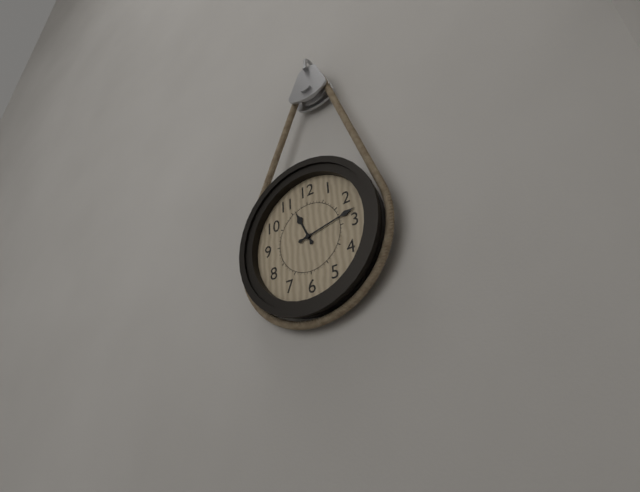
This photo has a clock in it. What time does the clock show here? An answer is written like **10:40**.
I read **11:13**
